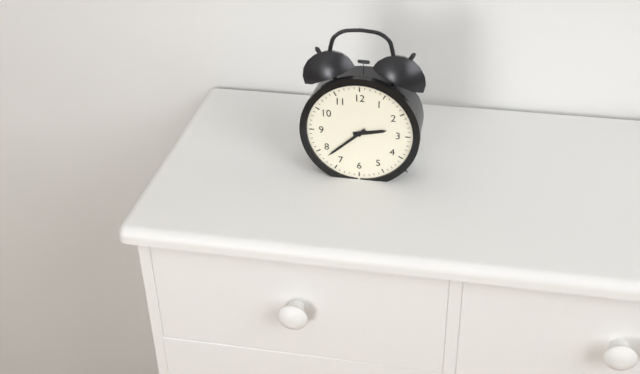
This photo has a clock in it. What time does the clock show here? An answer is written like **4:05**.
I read **2:38**
